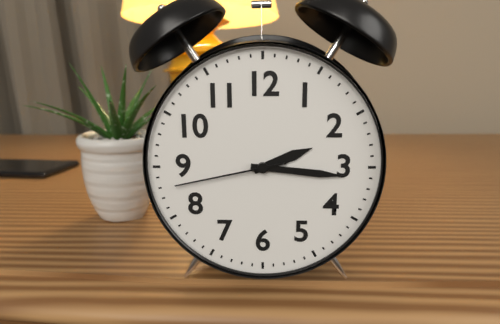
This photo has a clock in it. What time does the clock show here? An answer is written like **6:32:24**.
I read **2:16:43**
